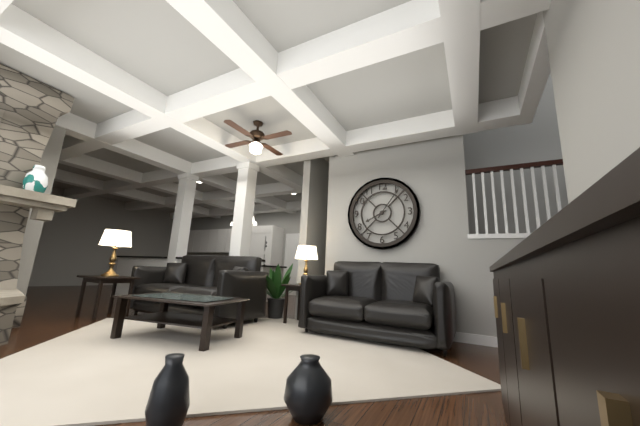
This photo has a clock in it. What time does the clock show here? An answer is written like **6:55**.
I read **8:06**
